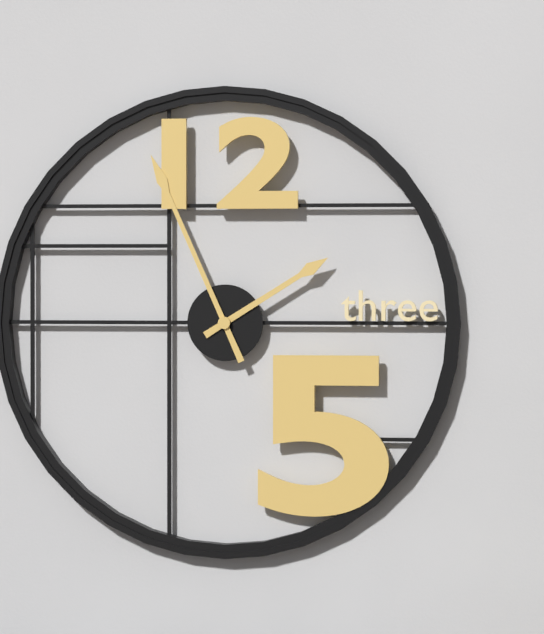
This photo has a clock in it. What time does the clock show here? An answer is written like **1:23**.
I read **1:56**
